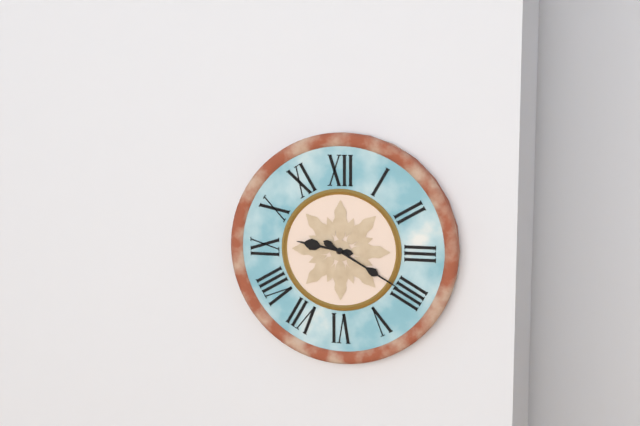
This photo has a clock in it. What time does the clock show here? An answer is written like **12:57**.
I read **9:20**
